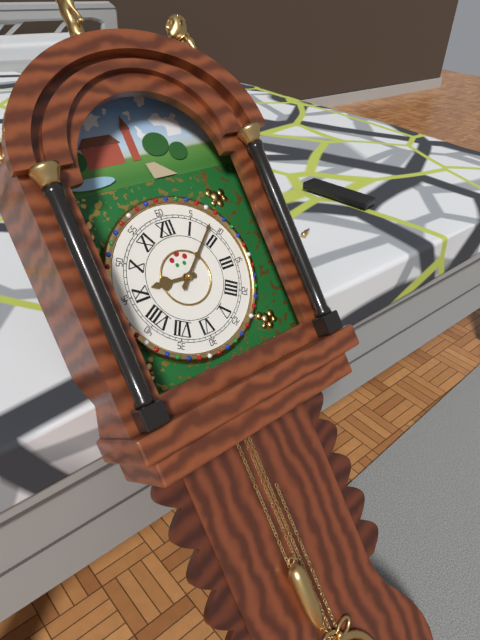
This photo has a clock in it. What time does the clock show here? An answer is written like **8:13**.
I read **9:08**
